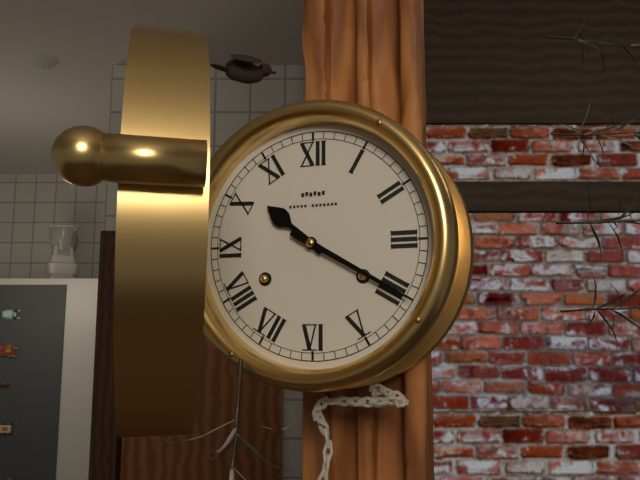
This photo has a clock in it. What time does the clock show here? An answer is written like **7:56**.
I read **10:20**
